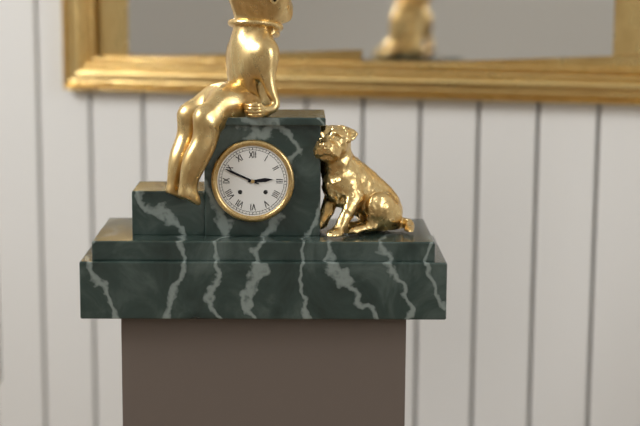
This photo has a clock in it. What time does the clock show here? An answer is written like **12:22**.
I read **2:49**
